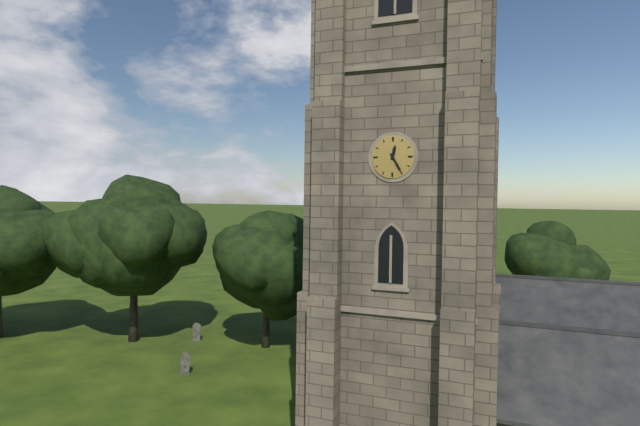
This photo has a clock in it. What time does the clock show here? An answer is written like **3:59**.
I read **12:25**
